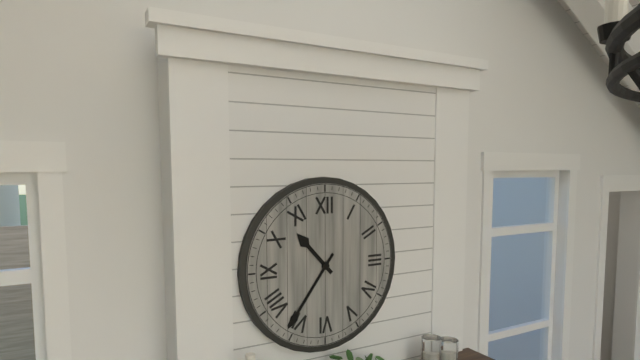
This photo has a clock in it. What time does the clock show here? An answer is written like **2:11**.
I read **10:36**
